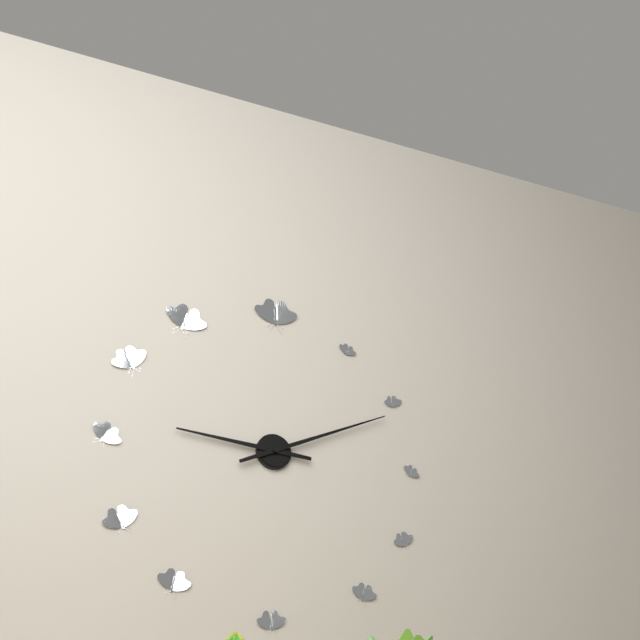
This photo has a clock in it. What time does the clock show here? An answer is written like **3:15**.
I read **9:11**
